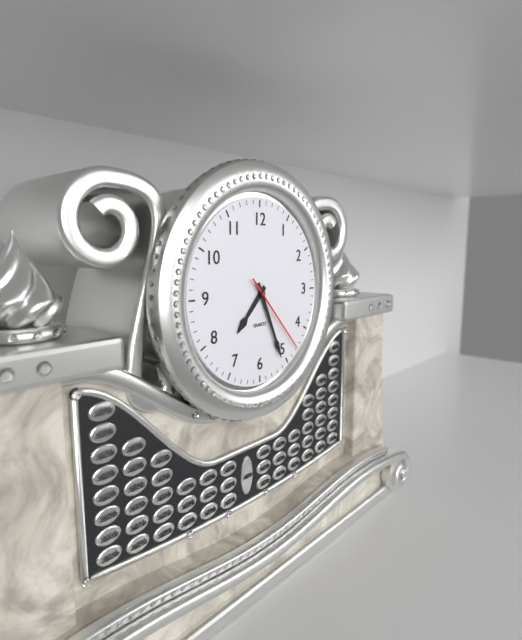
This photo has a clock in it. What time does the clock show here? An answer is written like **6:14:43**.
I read **7:26:23**
